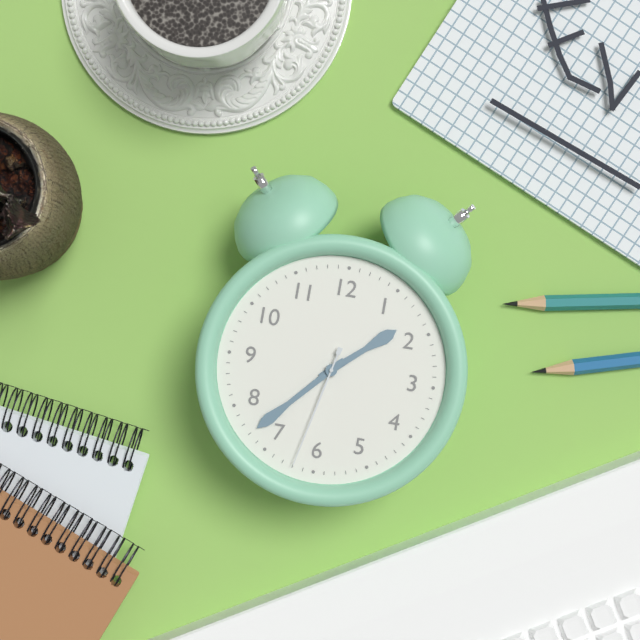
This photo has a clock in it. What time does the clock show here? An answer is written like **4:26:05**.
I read **1:37:32**
